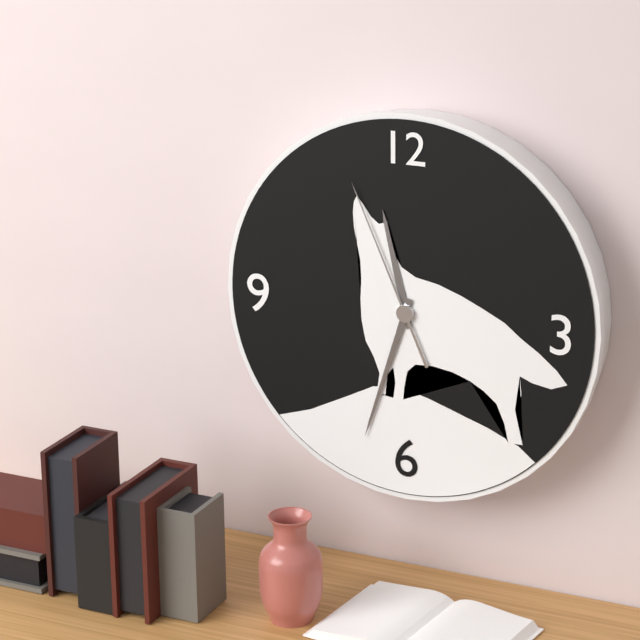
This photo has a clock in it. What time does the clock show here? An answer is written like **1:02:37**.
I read **11:33:56**
